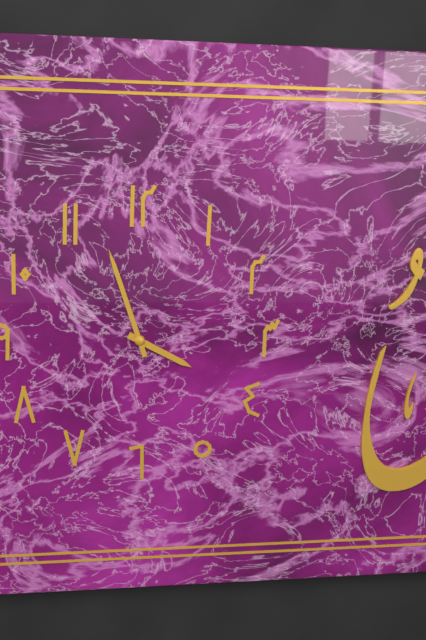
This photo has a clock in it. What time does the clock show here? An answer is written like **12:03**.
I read **3:57**
